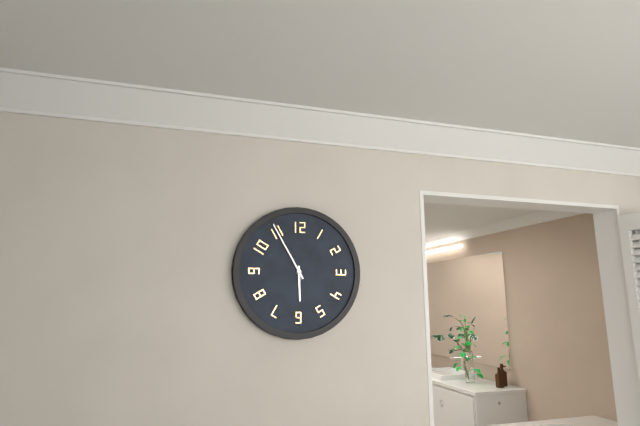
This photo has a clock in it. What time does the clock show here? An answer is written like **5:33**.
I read **5:55**
